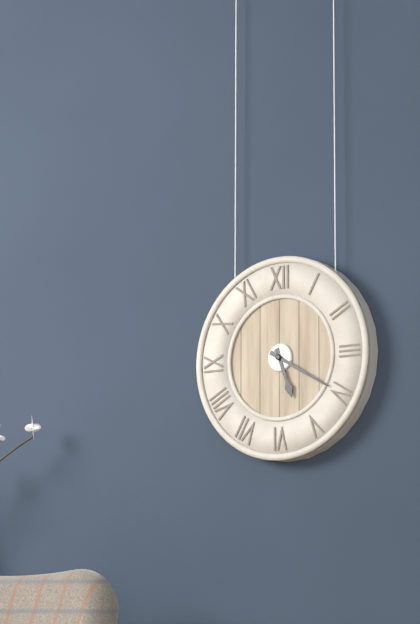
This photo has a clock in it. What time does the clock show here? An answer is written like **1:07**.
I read **5:20**
